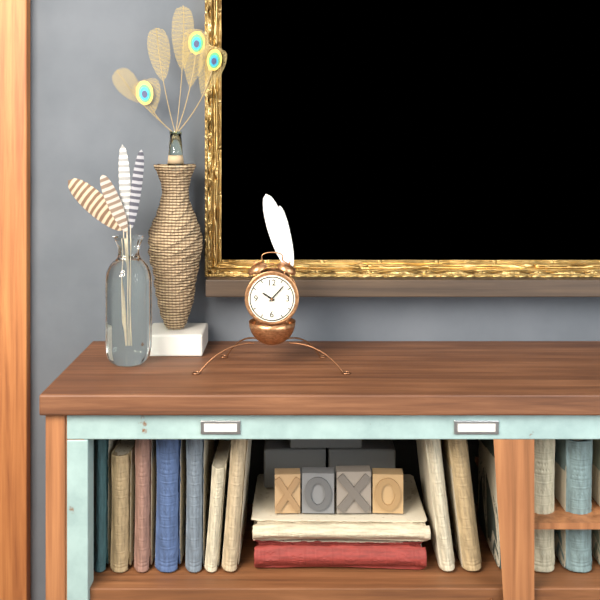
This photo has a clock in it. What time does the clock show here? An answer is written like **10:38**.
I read **10:07**
